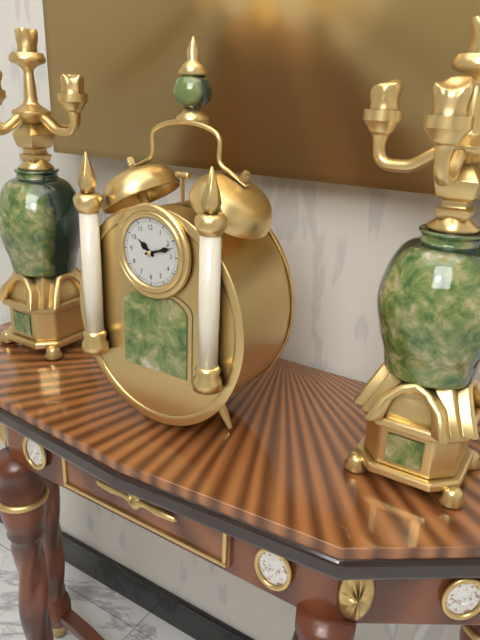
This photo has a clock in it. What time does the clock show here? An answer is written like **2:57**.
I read **10:12**
